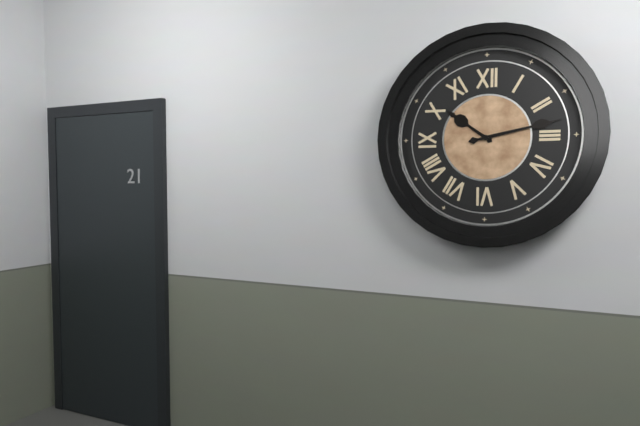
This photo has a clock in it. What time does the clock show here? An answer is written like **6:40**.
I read **10:13**
